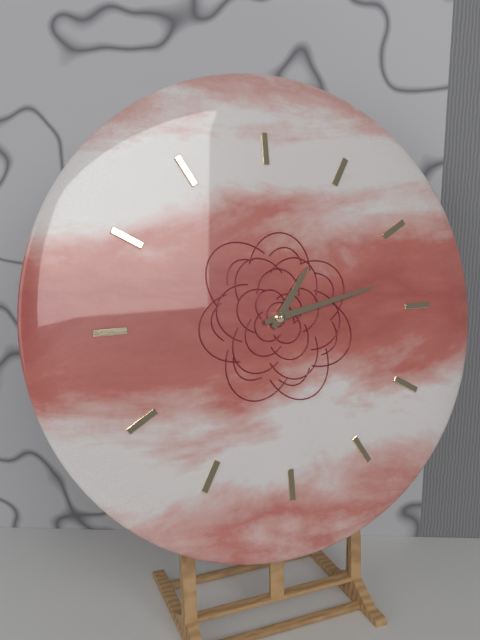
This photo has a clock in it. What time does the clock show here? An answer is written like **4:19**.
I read **1:13**
